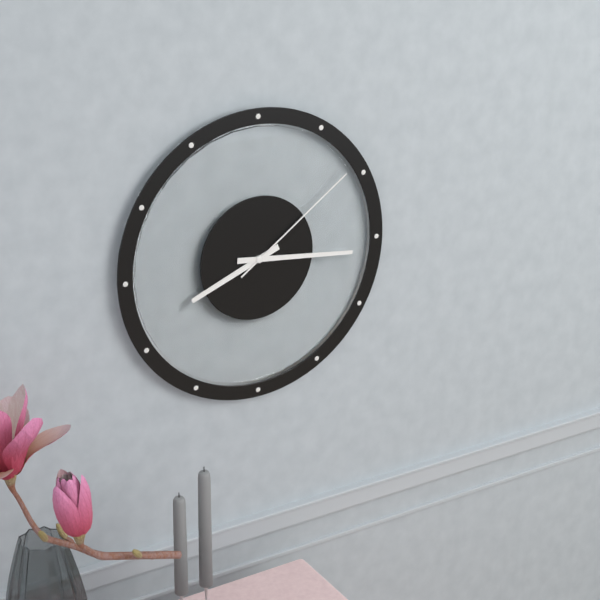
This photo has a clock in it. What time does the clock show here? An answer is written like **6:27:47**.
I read **8:16:09**
